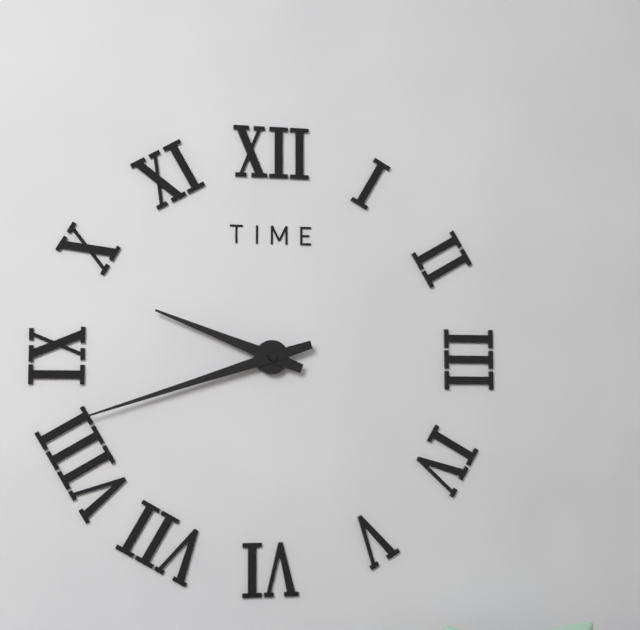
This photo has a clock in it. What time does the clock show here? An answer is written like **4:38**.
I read **9:42**
